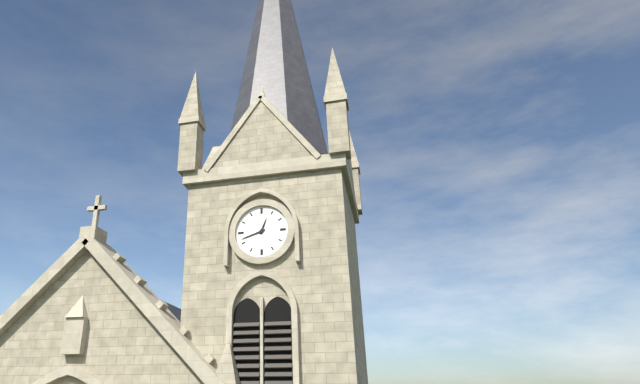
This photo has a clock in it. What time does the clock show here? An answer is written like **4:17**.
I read **12:42**
